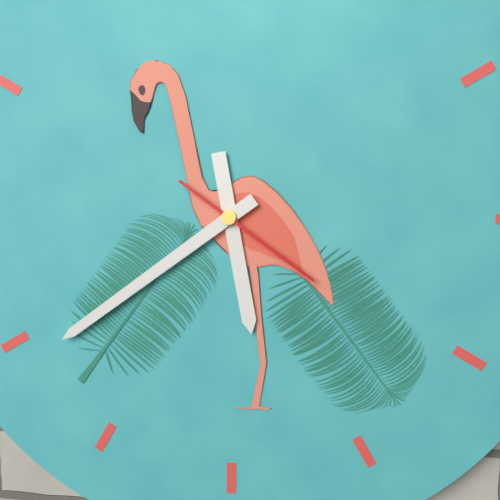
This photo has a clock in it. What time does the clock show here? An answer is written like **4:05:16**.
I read **5:39:21**
